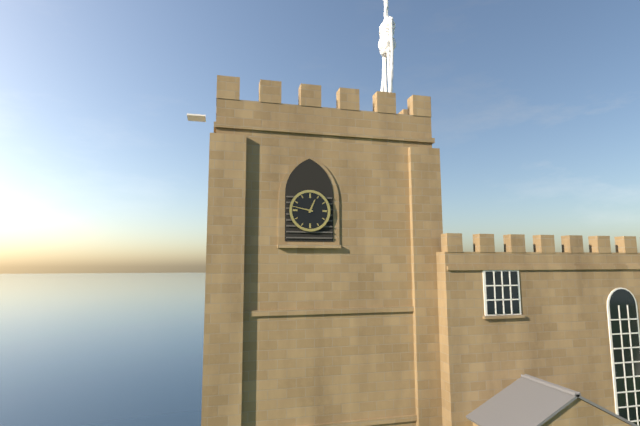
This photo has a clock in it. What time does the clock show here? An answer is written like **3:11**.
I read **12:47**
